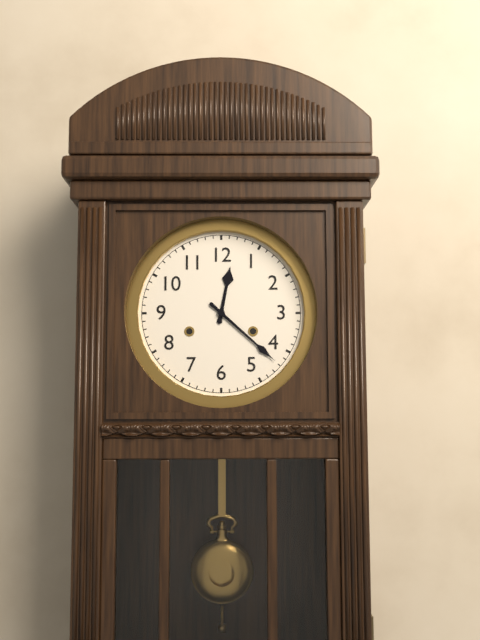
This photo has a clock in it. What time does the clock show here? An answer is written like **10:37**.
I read **12:22**
